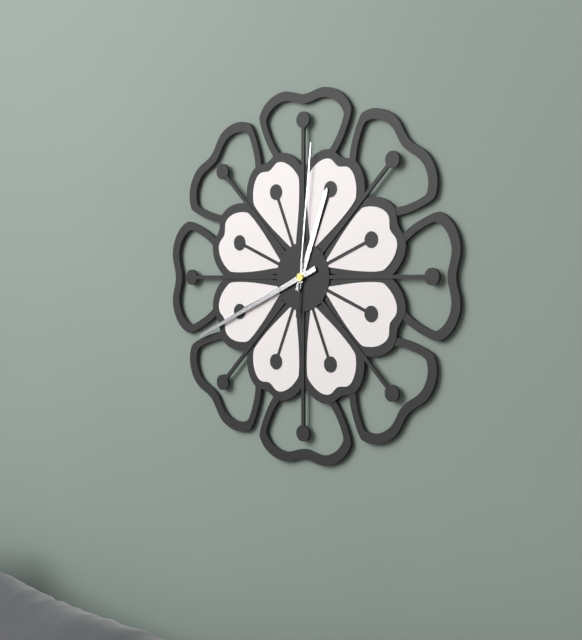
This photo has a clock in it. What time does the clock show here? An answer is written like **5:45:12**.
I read **12:41:01**
